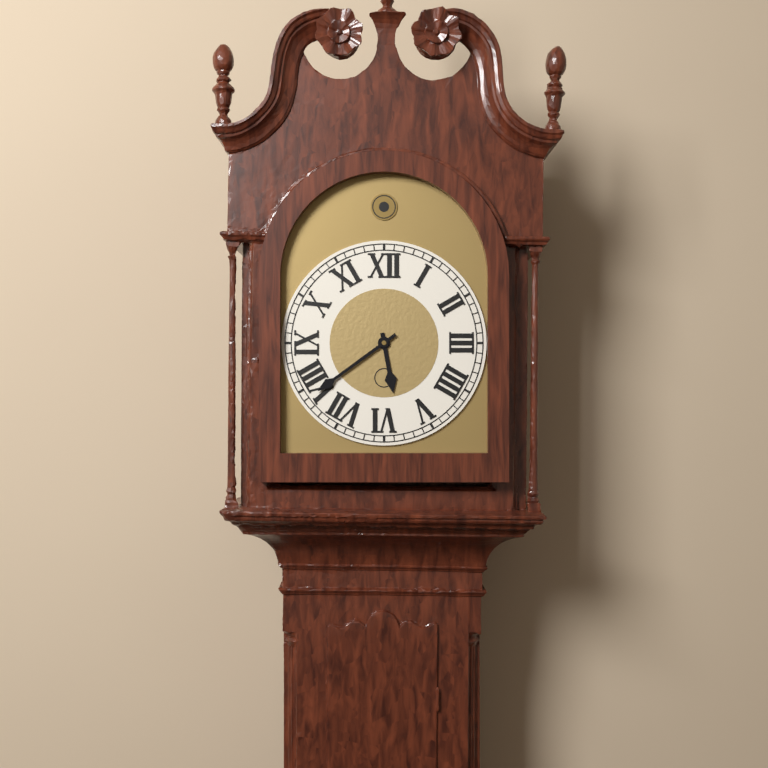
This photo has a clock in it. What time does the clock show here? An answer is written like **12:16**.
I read **5:39**
